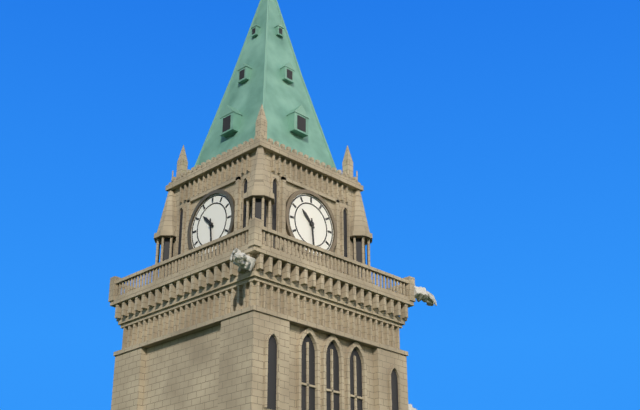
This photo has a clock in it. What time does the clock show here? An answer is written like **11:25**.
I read **10:29**
